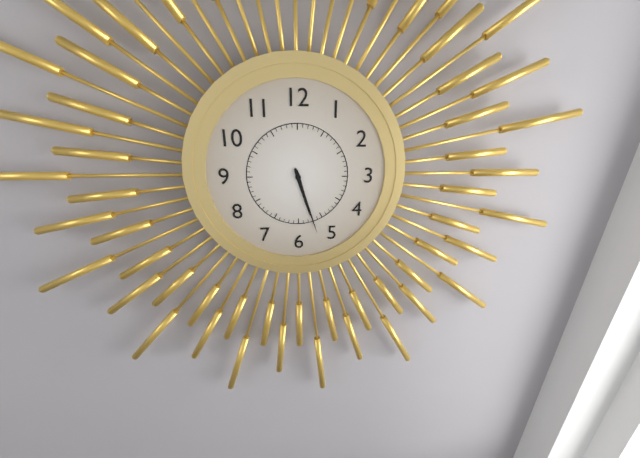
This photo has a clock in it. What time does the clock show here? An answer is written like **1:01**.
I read **5:27**
